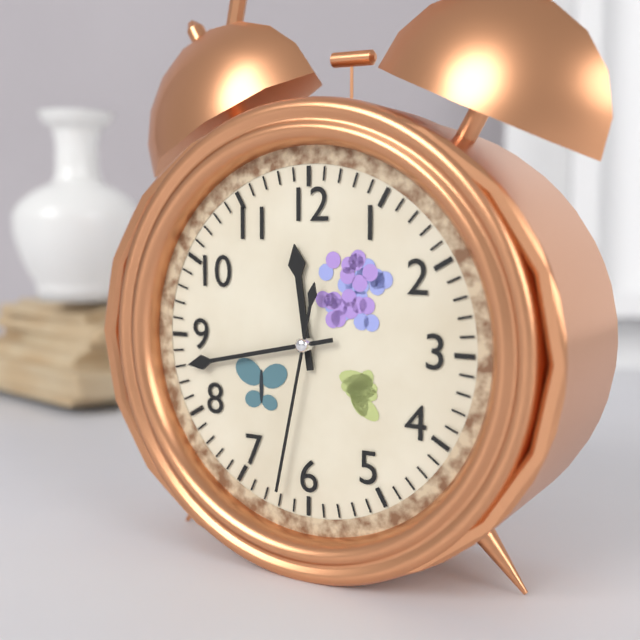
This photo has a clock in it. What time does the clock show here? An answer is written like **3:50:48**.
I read **11:43:32**
